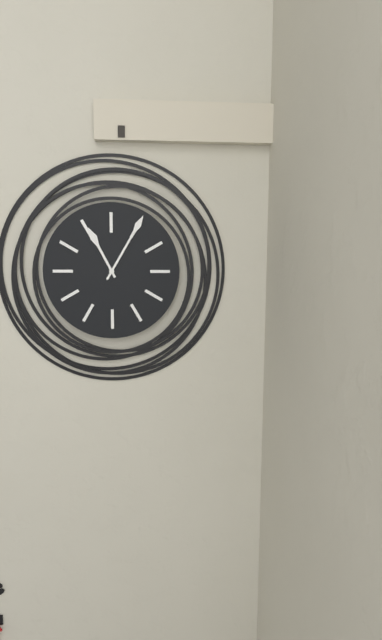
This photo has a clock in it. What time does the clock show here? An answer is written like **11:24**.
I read **11:05**
